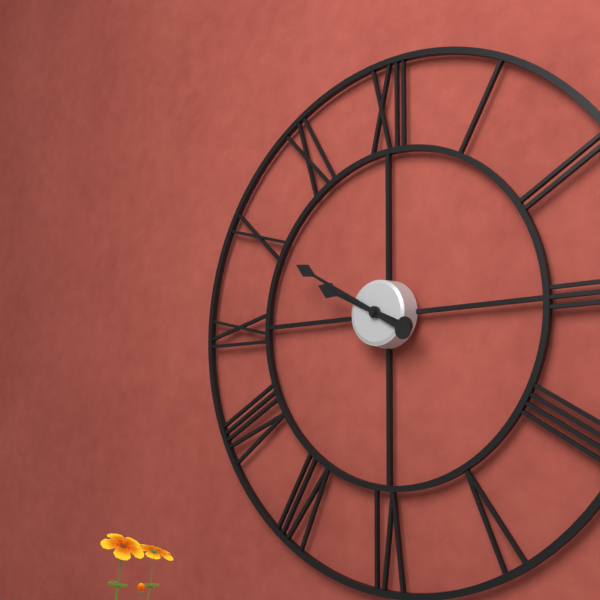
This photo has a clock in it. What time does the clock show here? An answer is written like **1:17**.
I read **9:50**
